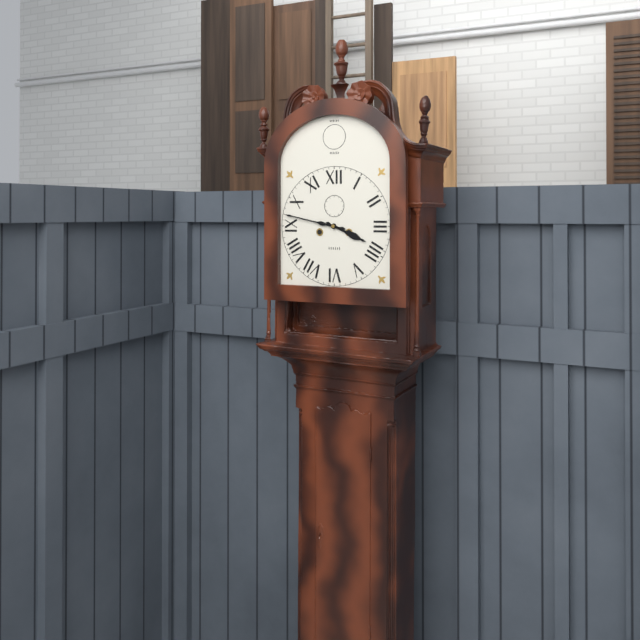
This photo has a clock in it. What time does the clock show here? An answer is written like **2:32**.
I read **3:47**
